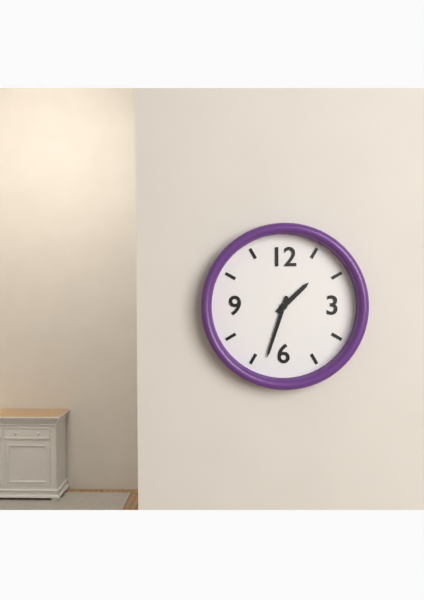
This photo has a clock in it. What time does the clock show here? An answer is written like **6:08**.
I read **1:33**
